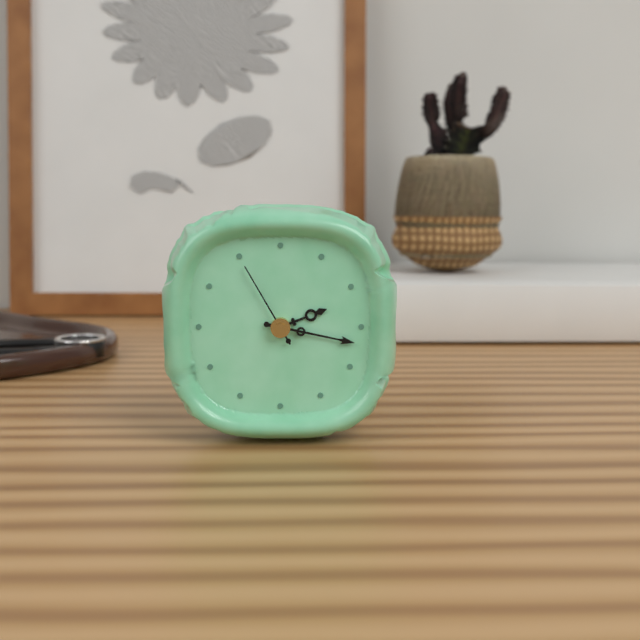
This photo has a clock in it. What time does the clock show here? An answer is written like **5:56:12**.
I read **2:17:55**
